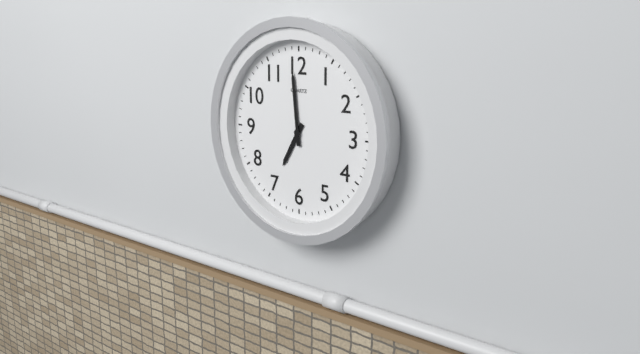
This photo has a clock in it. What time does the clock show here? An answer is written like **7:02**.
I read **6:59**
